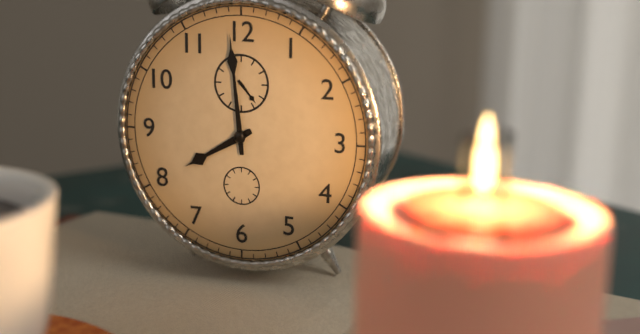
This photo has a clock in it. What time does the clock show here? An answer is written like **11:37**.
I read **7:59**
